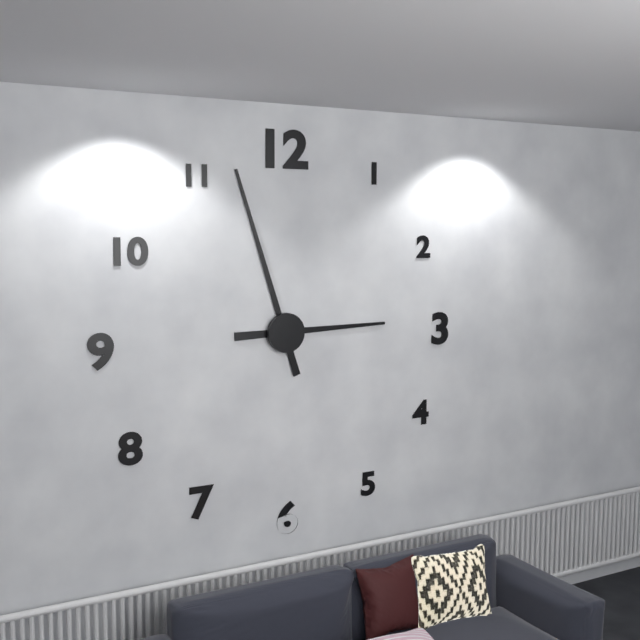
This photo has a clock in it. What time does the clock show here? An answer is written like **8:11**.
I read **2:57**
